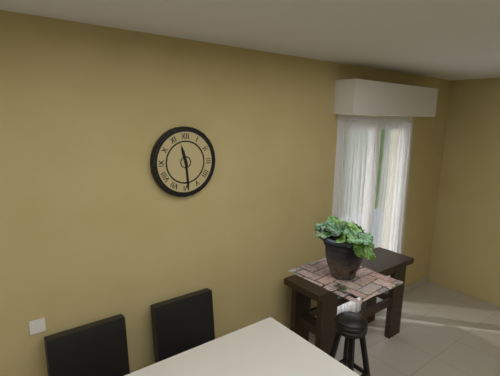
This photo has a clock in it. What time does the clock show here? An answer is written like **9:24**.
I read **11:29**
